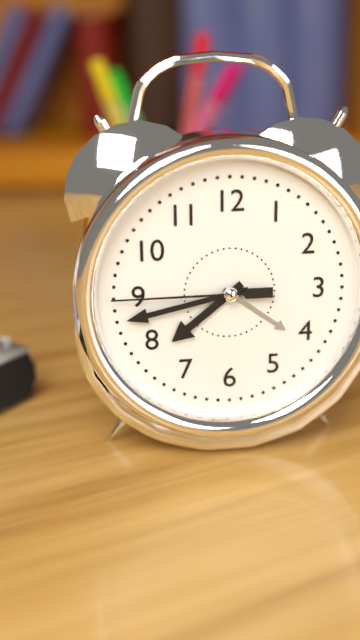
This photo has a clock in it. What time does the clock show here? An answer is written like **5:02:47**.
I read **7:43:45**
